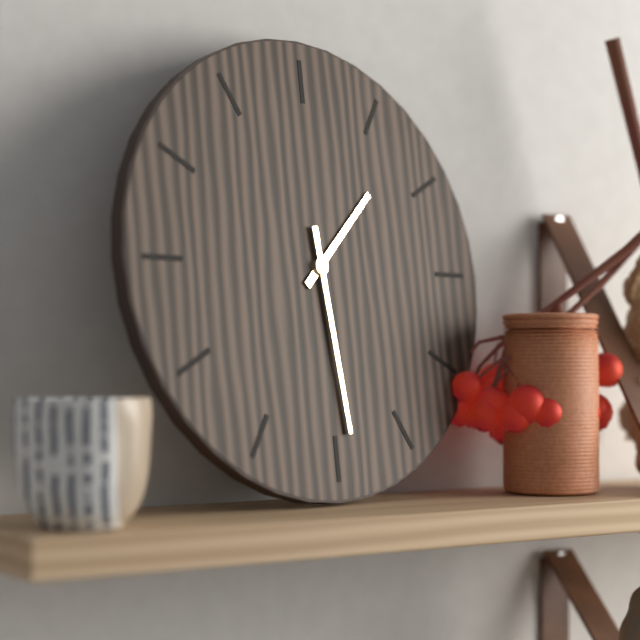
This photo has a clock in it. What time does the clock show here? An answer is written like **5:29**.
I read **1:29**
